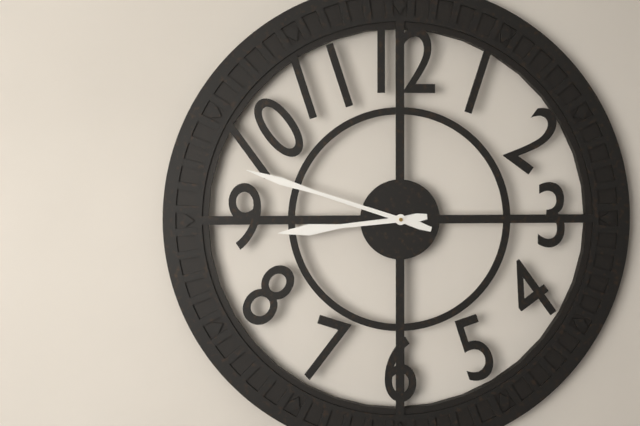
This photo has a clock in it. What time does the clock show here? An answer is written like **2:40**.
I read **8:48**
